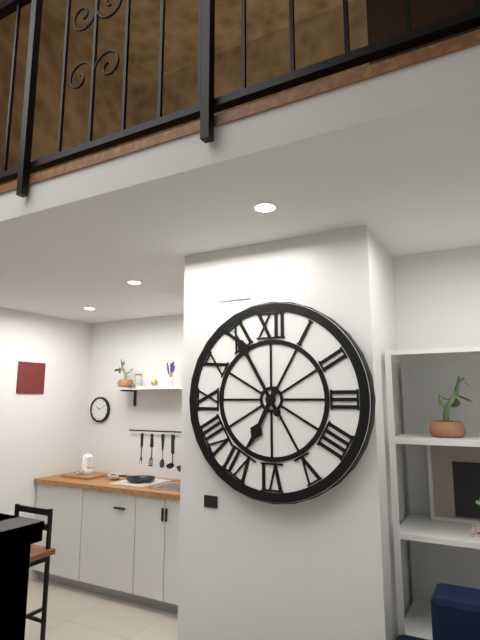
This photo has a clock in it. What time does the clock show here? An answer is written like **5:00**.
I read **6:55**
